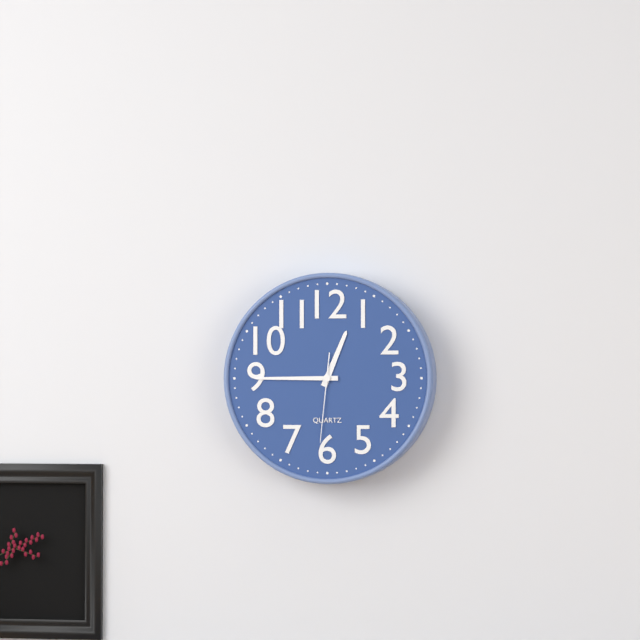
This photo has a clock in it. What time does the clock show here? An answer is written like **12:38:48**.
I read **12:45:31**
